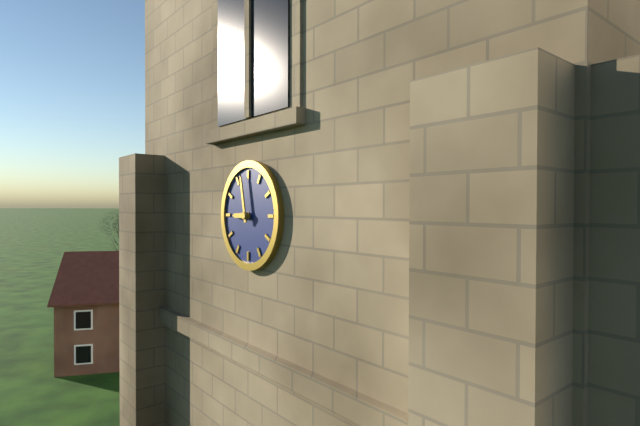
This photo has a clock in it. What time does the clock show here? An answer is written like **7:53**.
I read **8:58**
